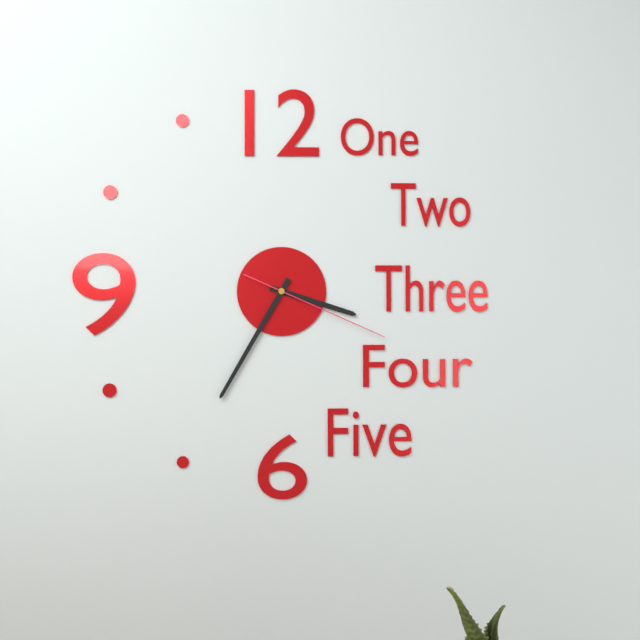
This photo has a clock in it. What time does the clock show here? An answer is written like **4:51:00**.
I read **3:35:19**
